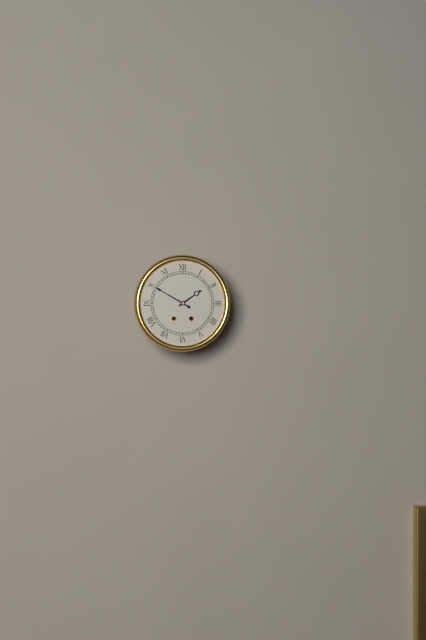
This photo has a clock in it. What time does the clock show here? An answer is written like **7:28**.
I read **1:50**
